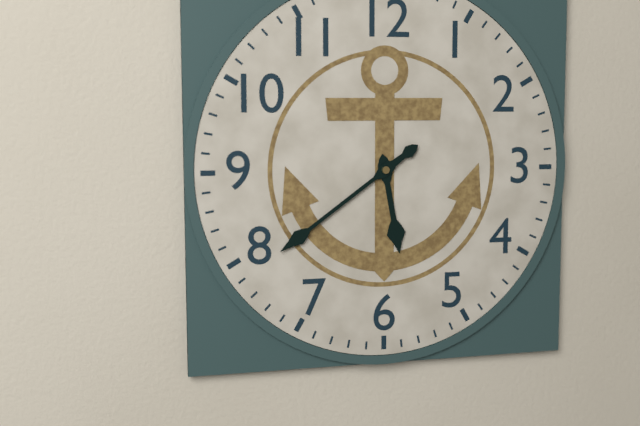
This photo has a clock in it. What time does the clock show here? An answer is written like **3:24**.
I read **5:39**
